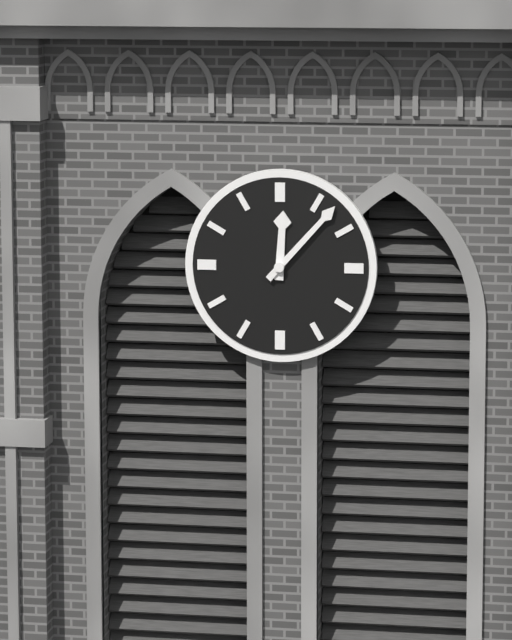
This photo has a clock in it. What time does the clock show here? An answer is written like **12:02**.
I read **12:07**
